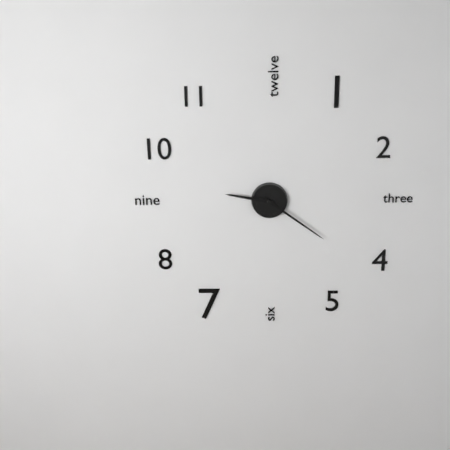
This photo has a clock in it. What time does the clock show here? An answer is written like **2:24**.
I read **9:21**
